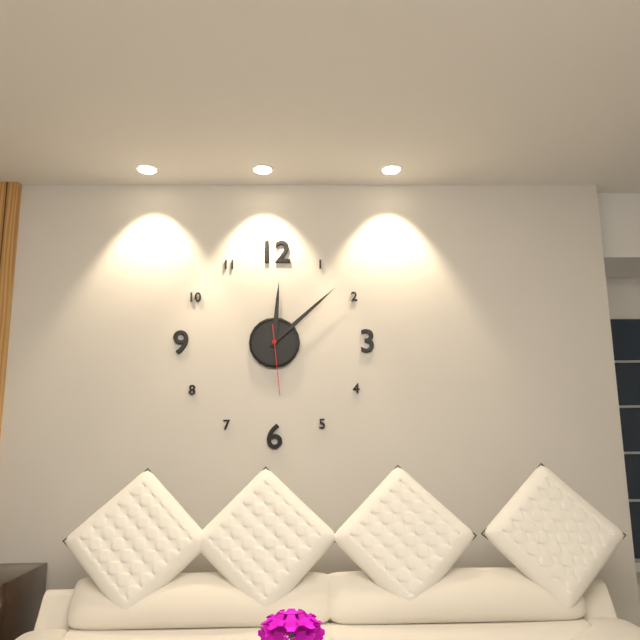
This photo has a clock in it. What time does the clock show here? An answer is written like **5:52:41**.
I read **12:08:29**
